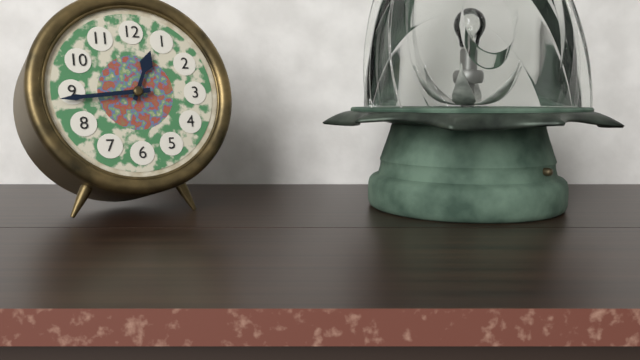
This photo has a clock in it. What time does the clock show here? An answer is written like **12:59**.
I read **12:44**
